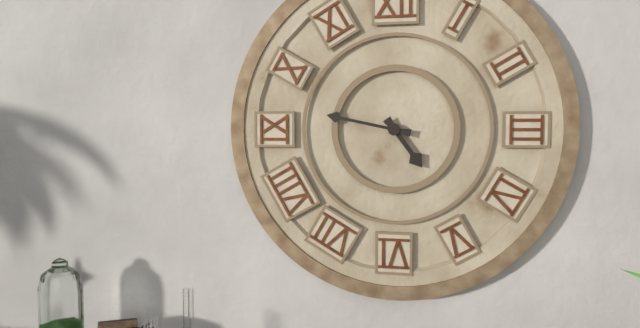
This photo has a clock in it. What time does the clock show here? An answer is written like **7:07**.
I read **4:47**
